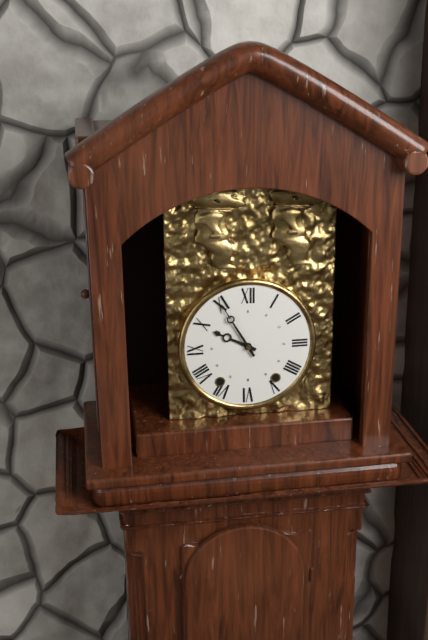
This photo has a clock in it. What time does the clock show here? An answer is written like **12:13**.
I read **9:55**
